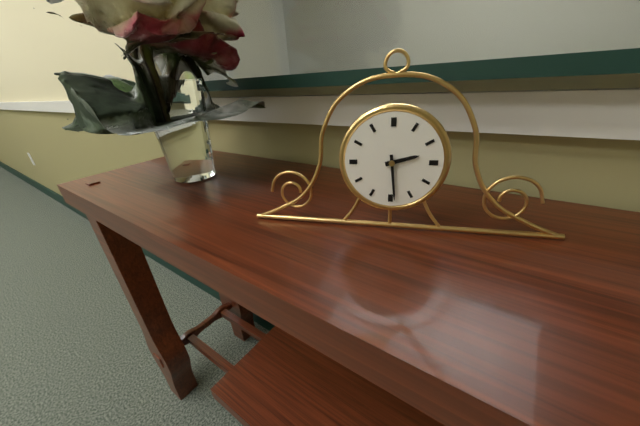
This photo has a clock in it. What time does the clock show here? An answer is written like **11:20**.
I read **2:29**
